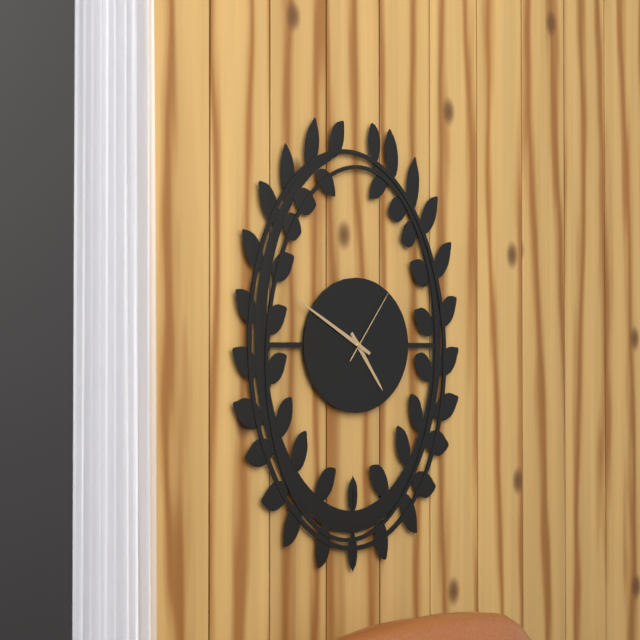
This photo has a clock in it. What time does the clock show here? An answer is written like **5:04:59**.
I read **4:50:06**
